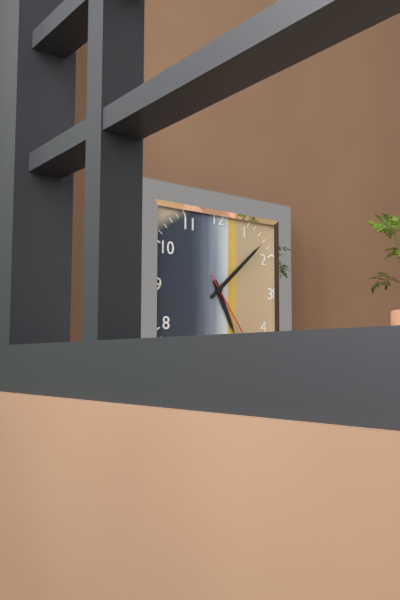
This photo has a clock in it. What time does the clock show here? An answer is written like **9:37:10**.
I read **5:08:24**
